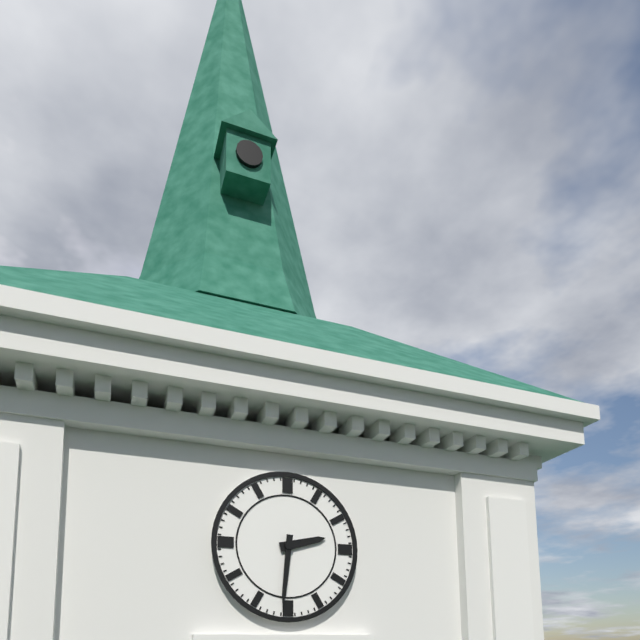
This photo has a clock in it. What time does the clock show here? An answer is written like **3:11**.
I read **2:31**
